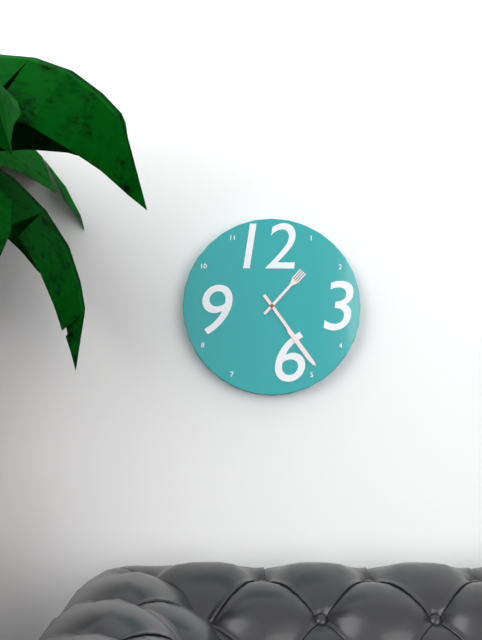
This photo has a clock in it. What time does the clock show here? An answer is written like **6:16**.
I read **1:24**
